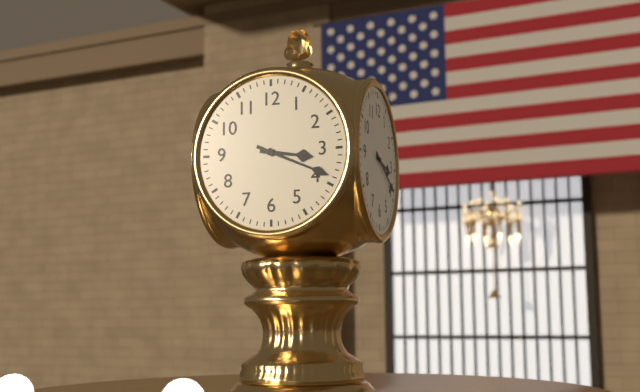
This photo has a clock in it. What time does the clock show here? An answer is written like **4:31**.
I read **3:19**
